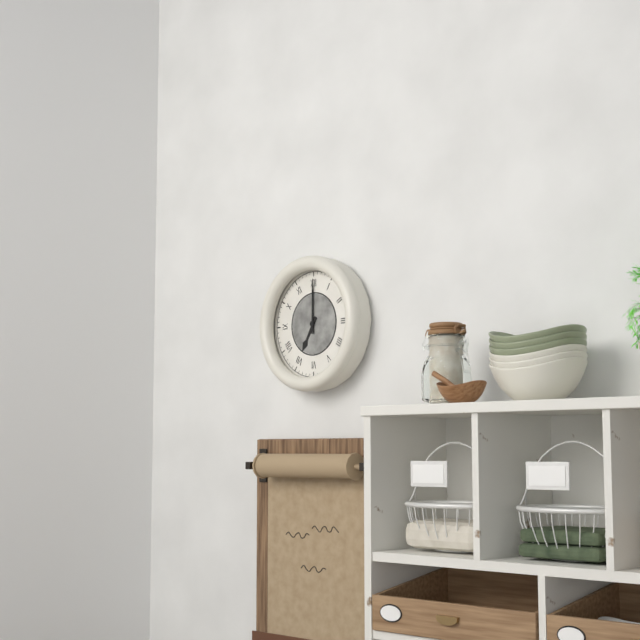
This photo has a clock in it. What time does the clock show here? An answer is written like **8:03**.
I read **7:00**
